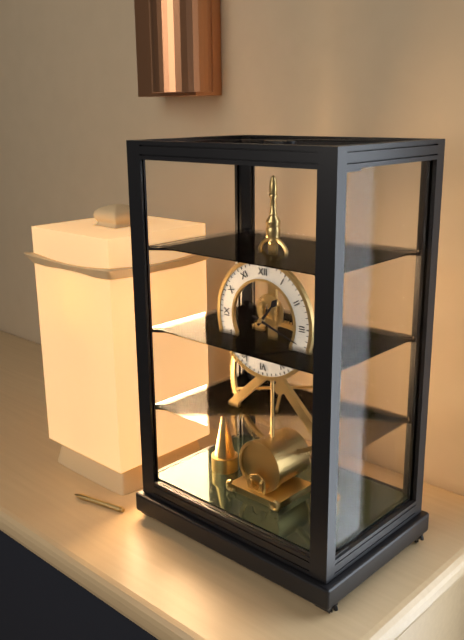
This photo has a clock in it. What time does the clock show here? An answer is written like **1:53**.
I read **1:18**
